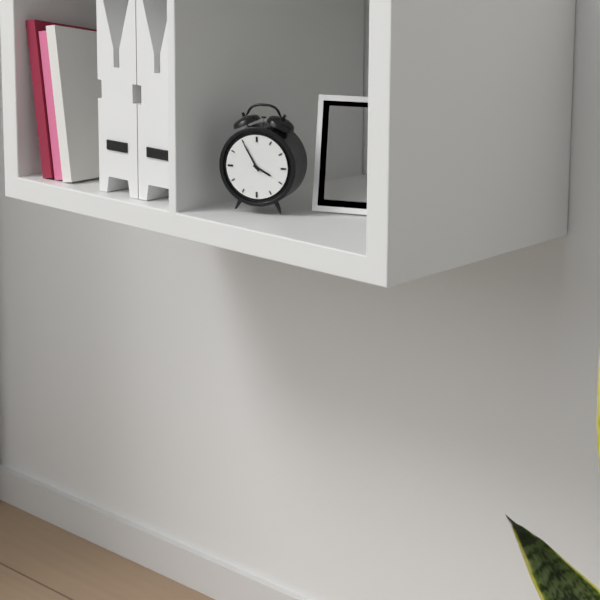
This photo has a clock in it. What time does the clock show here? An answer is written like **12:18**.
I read **3:55**
